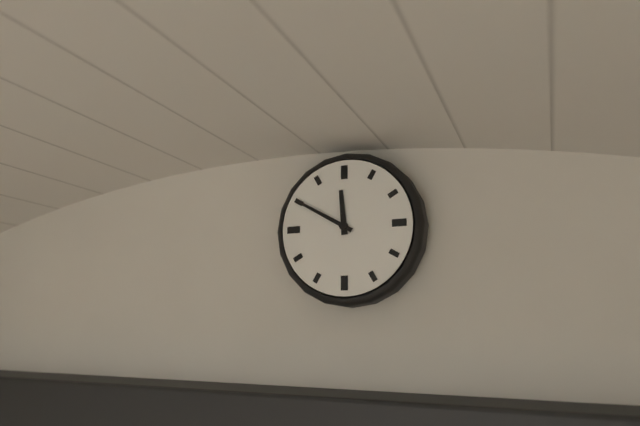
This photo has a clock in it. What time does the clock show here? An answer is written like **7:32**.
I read **11:50**
